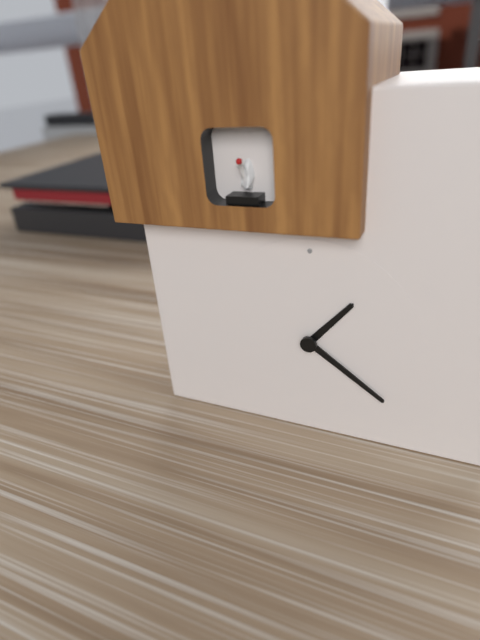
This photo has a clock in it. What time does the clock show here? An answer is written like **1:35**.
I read **1:21**
